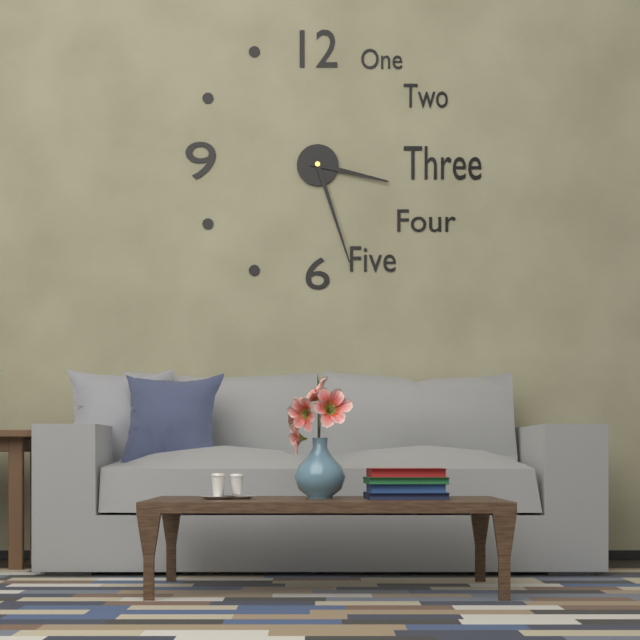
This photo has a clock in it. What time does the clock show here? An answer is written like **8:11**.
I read **3:27**
